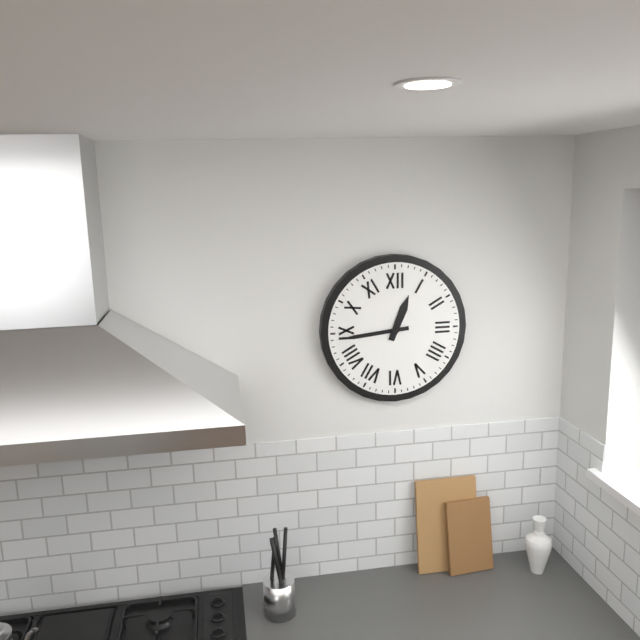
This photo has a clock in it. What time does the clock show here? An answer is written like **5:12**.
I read **12:44**
